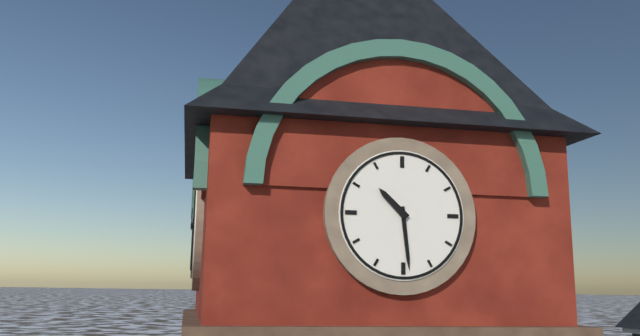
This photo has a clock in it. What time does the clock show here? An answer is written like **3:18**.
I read **10:29**
